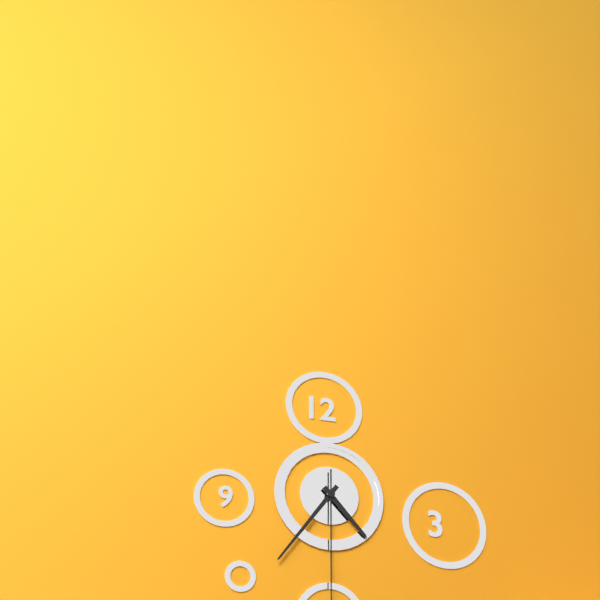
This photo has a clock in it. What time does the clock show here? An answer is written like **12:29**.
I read **4:36**
